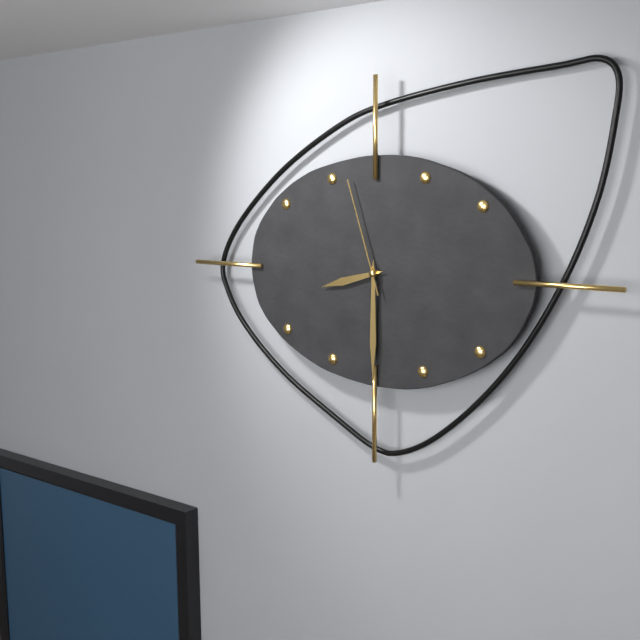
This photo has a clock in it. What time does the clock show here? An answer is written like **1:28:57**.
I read **8:30:57**
